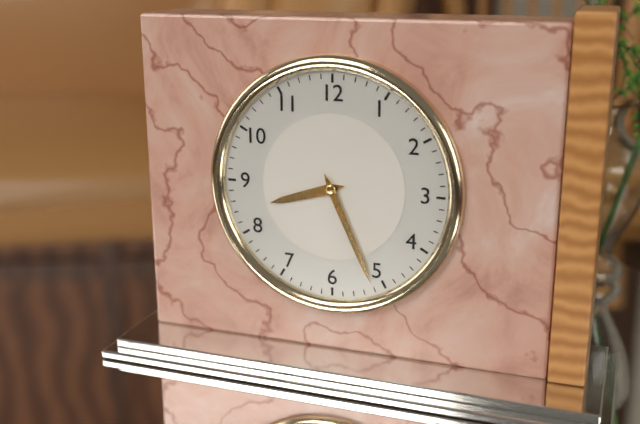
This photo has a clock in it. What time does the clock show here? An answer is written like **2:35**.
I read **8:26**
